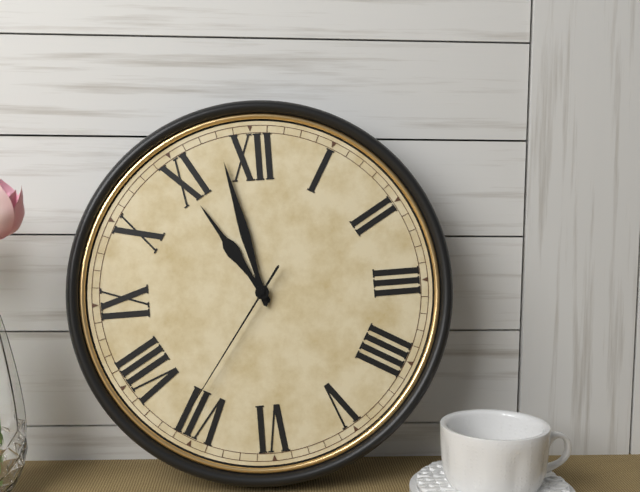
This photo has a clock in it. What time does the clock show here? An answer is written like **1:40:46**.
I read **10:58:36**
